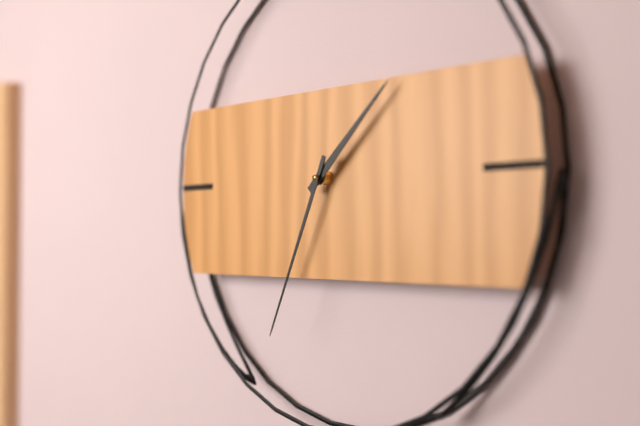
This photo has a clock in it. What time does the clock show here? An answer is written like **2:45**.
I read **1:34**
